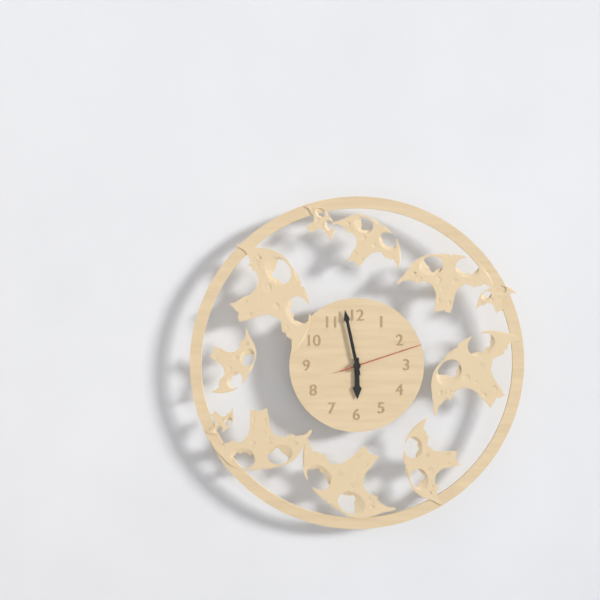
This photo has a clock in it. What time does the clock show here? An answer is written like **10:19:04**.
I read **5:58:12**
